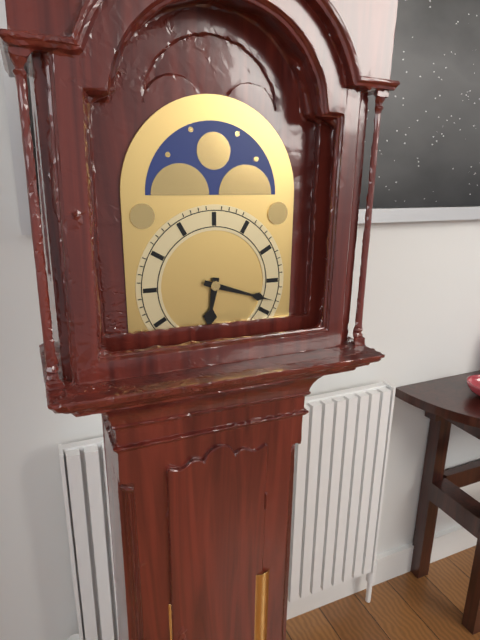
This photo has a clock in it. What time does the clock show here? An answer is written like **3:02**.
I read **6:18**
